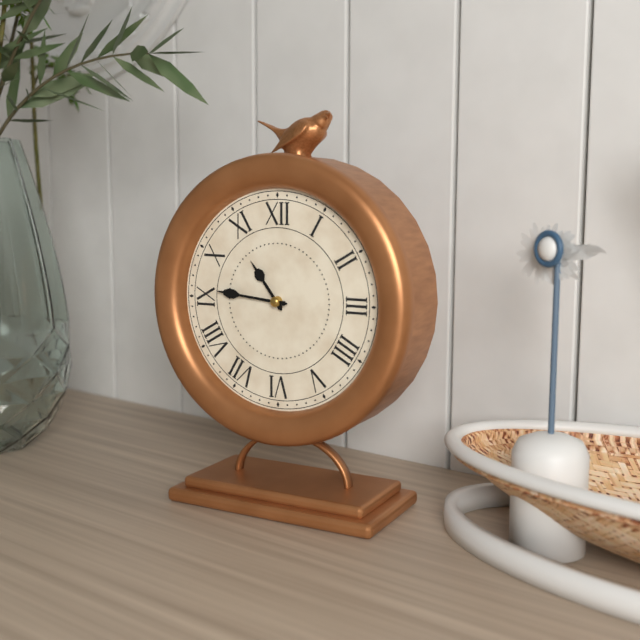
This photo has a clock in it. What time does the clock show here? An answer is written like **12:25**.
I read **10:46**
